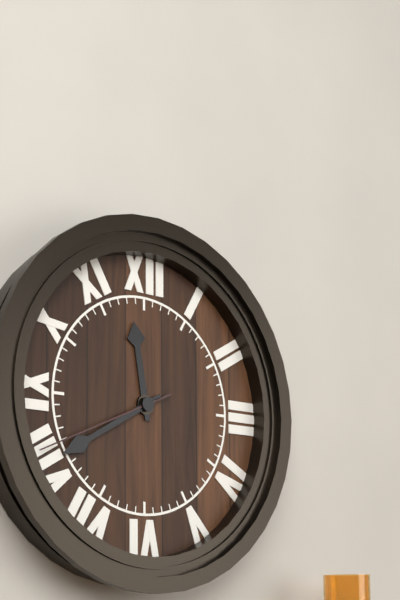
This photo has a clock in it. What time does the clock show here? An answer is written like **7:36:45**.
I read **11:40:41**
